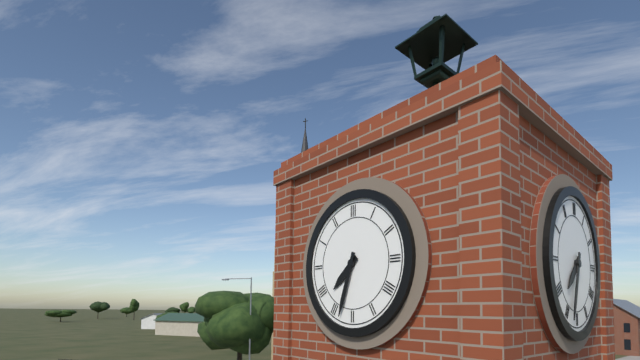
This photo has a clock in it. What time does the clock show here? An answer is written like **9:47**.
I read **7:33**
